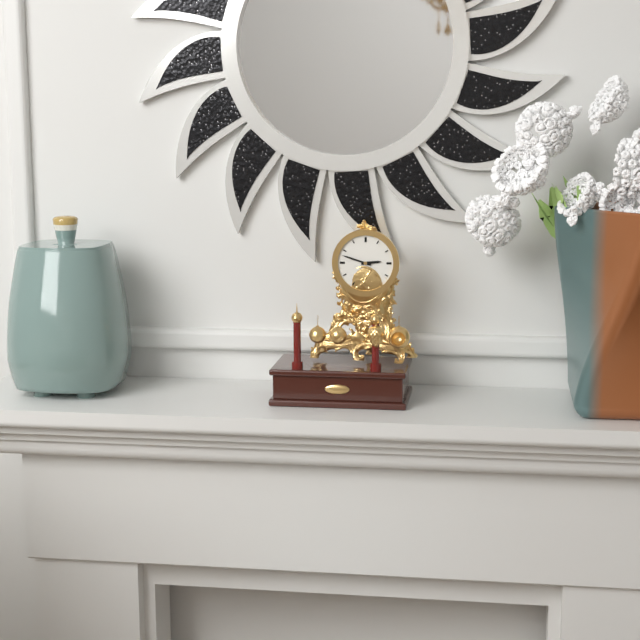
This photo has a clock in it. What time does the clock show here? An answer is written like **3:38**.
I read **2:48**
